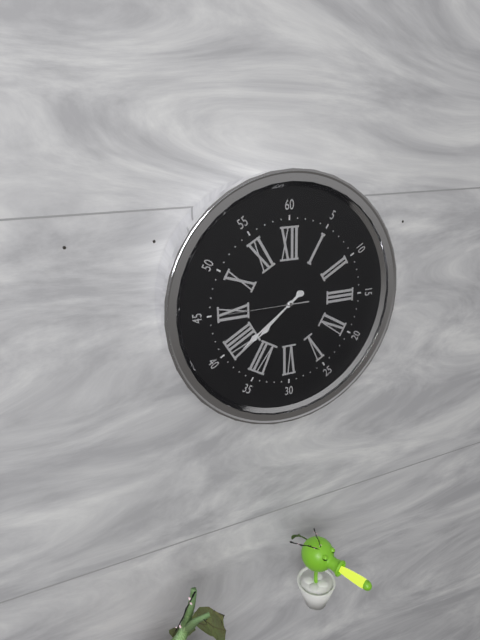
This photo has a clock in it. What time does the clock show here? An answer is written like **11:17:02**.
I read **7:39:45**
